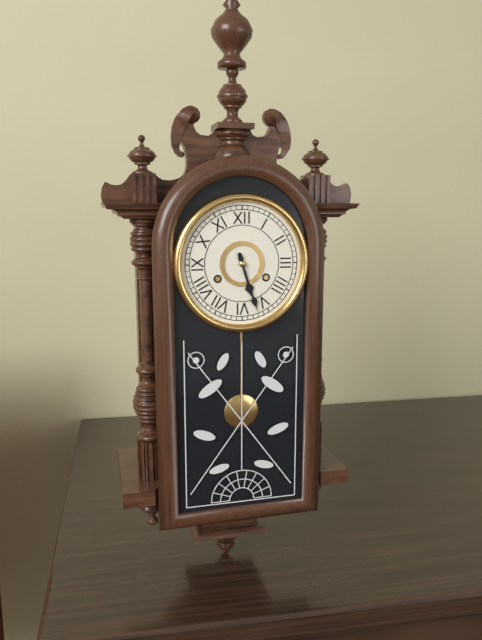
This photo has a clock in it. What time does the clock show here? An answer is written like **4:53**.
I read **5:27**
